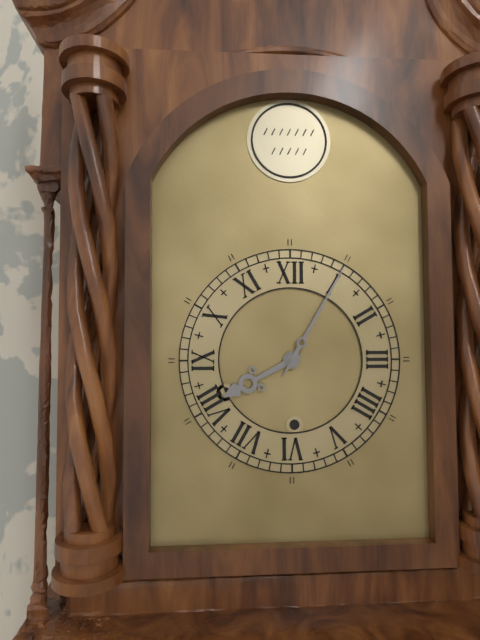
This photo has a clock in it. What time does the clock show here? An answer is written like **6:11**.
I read **8:05**
